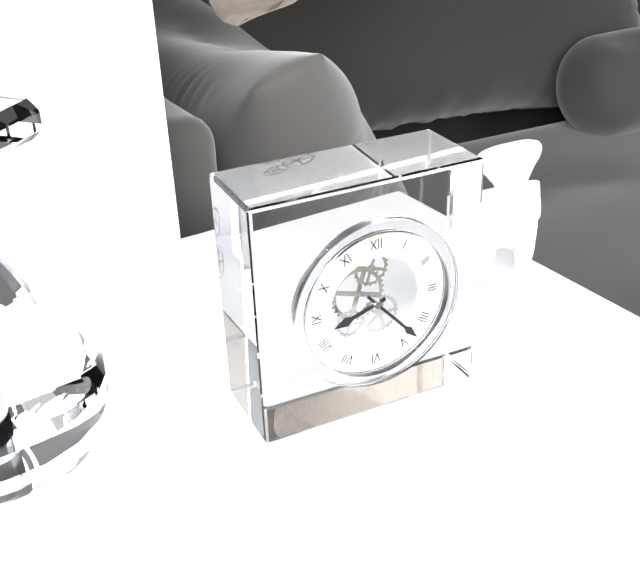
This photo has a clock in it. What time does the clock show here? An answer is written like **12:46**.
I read **8:23**
